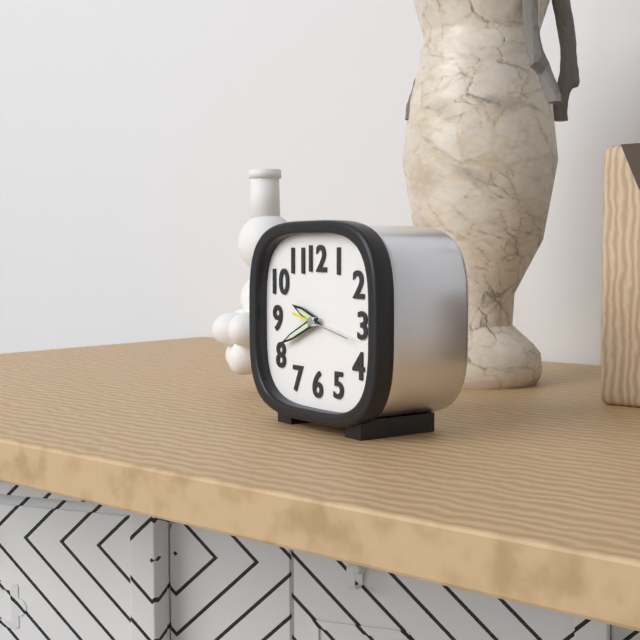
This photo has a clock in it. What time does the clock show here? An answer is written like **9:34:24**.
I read **9:41:17**
